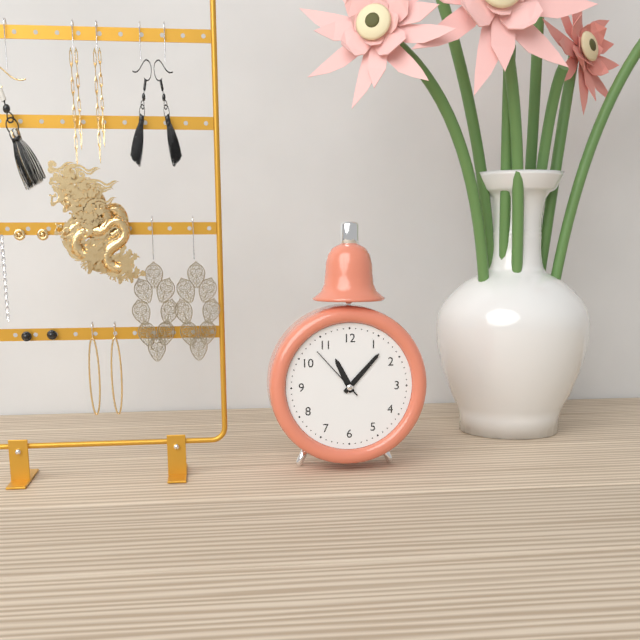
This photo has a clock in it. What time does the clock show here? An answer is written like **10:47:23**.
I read **11:07:53**
